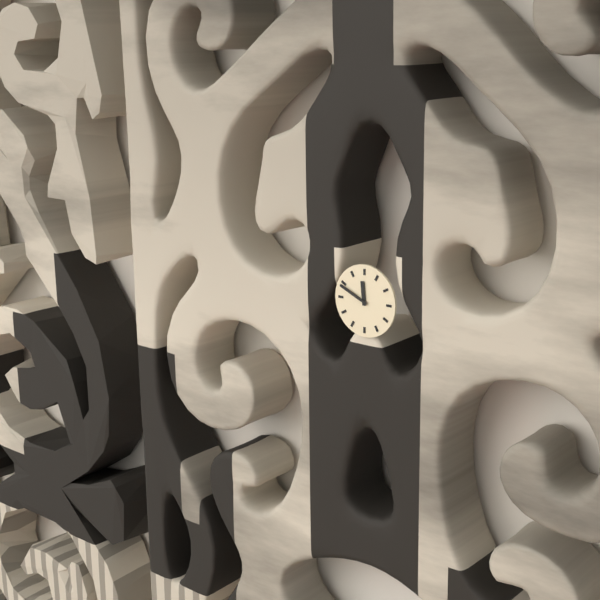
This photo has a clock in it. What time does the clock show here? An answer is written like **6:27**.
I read **11:49**
